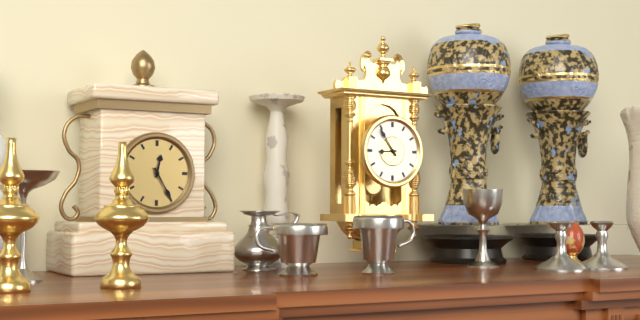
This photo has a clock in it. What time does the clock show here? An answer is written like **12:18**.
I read **8:54**
